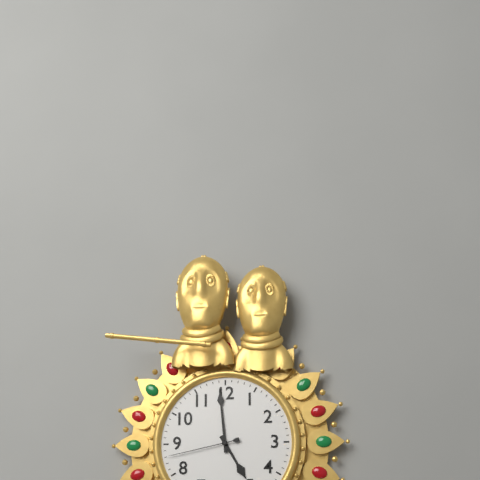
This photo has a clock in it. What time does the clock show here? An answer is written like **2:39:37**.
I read **4:59:43**
